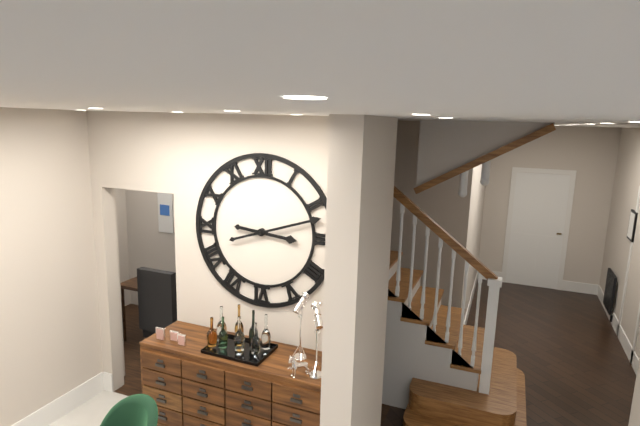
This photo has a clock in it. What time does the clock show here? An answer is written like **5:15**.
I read **3:12**
